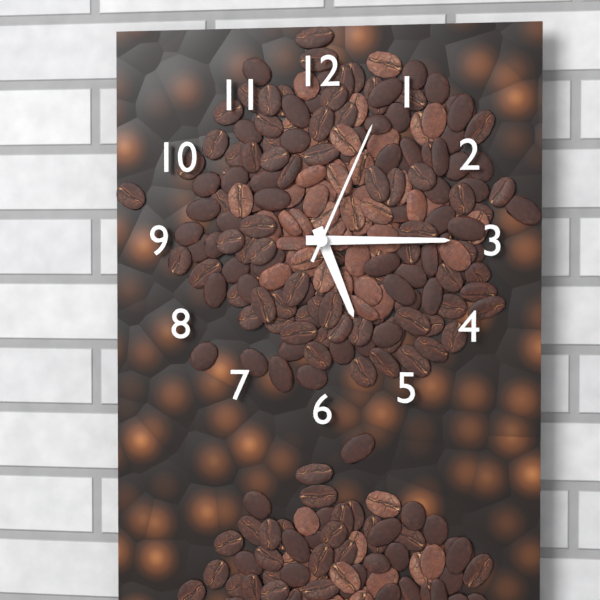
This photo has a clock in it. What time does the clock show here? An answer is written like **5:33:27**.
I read **5:15:04**
